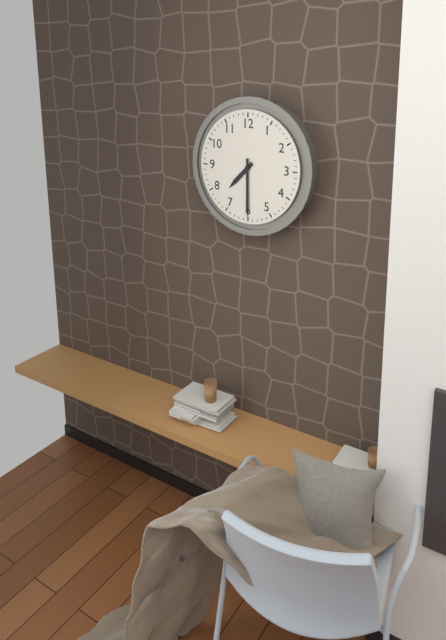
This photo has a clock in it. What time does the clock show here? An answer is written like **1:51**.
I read **7:30**
